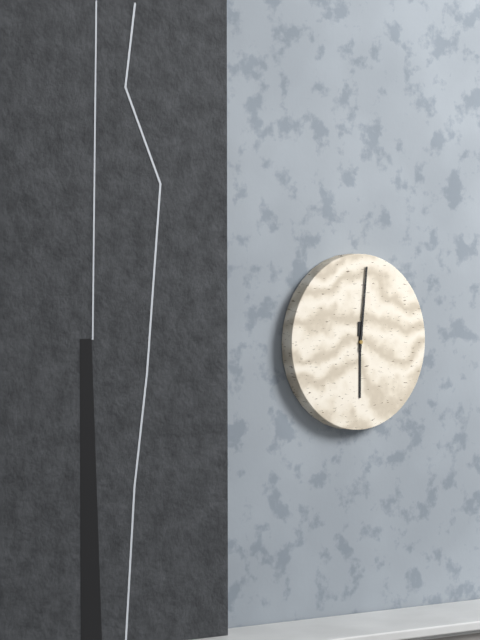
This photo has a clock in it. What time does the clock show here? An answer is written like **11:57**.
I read **6:01**
